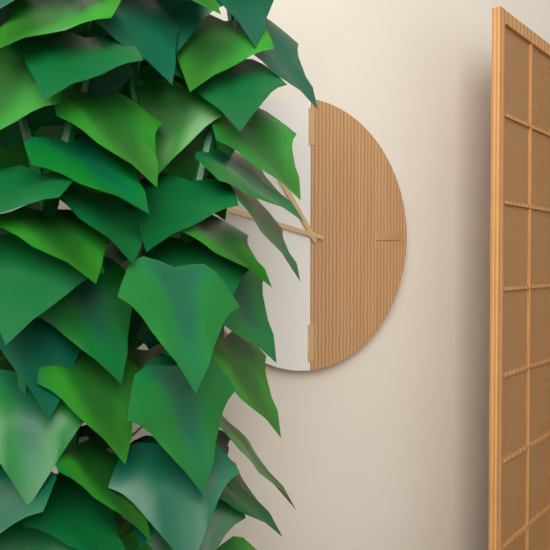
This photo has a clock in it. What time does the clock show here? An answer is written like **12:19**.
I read **10:47**
